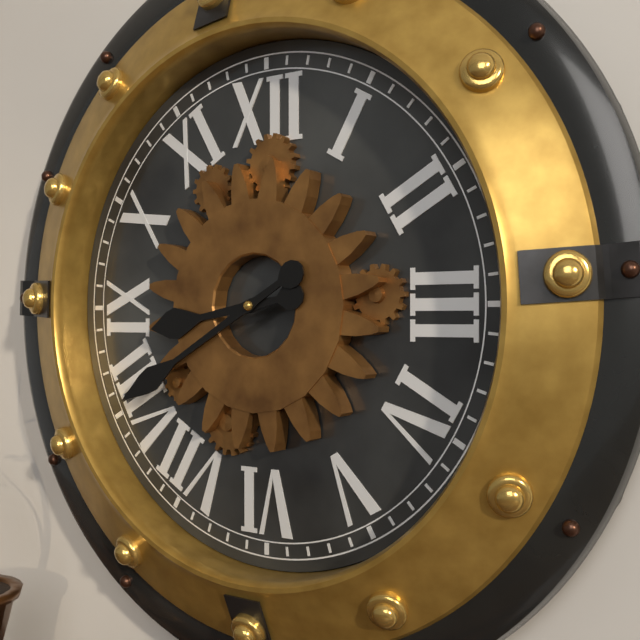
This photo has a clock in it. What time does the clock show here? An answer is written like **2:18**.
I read **8:40**
